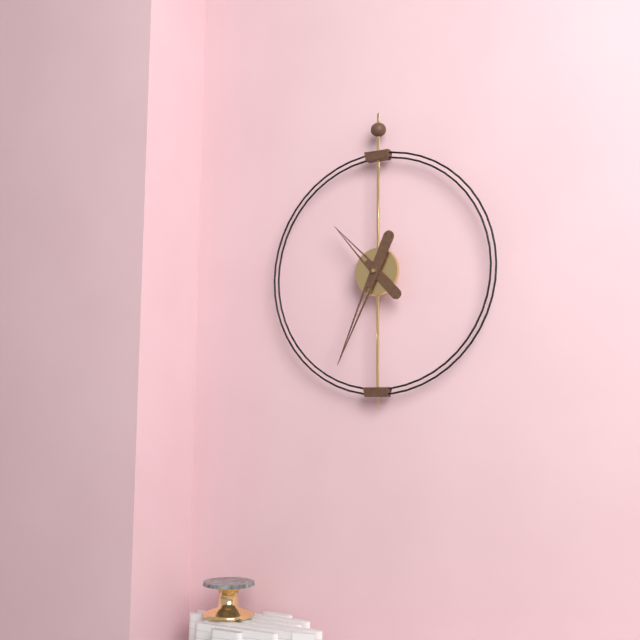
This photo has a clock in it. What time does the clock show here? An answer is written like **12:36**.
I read **10:34**
